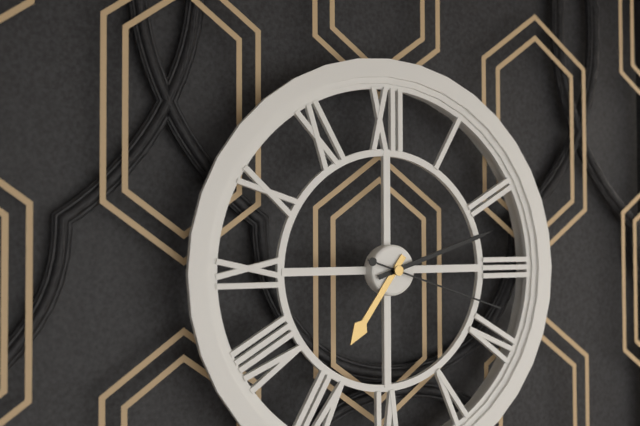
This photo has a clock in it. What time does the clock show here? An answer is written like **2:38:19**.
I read **7:12:18**
